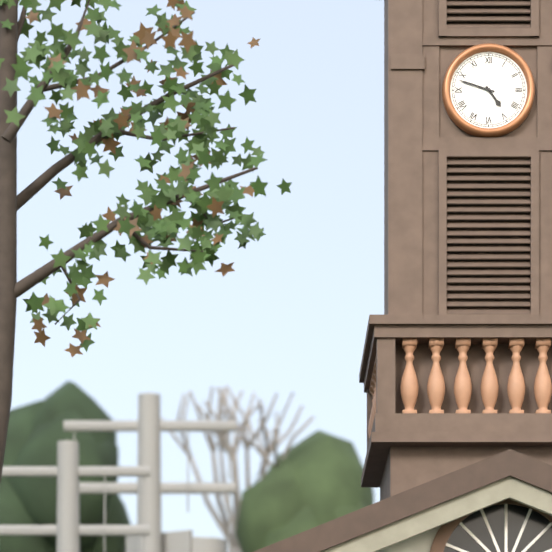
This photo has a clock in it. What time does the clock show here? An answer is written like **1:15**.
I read **4:48**
